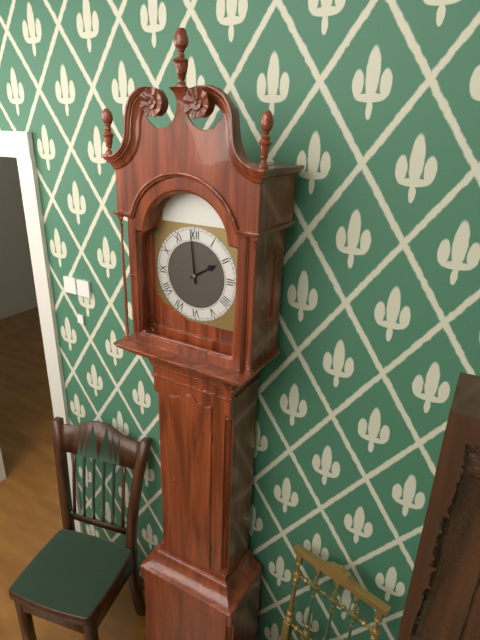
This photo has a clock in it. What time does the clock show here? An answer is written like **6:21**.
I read **1:59**
